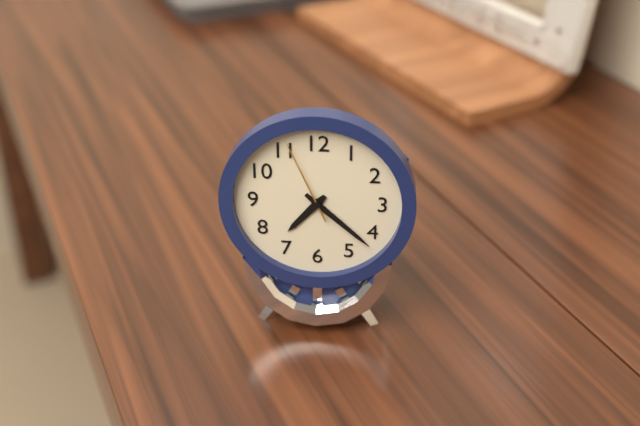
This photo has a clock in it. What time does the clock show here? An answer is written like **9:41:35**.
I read **7:22:56**
